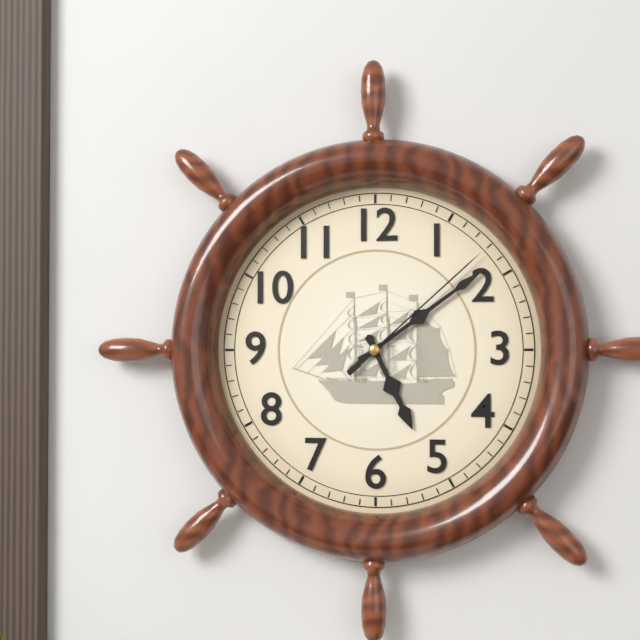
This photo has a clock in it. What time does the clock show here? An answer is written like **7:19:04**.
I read **5:09:08**
